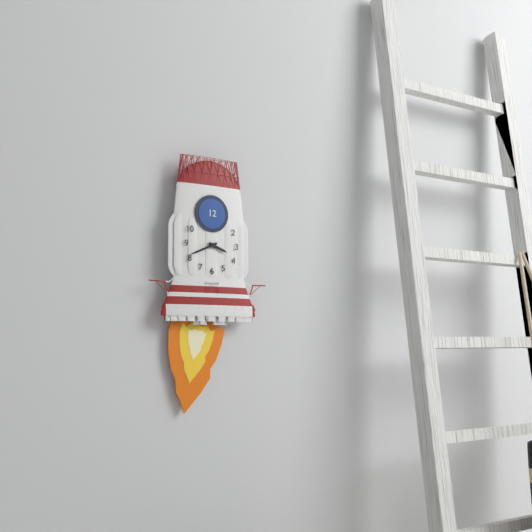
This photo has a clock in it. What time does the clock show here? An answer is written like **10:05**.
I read **3:41**
